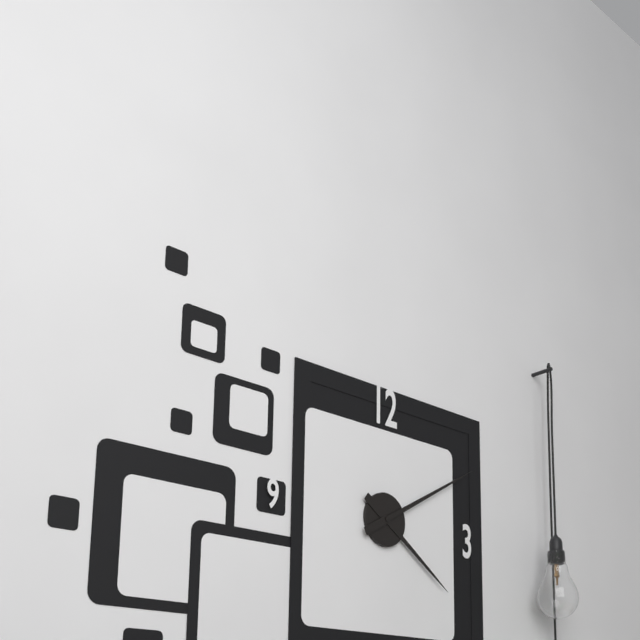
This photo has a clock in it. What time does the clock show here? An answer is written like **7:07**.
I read **4:10**
